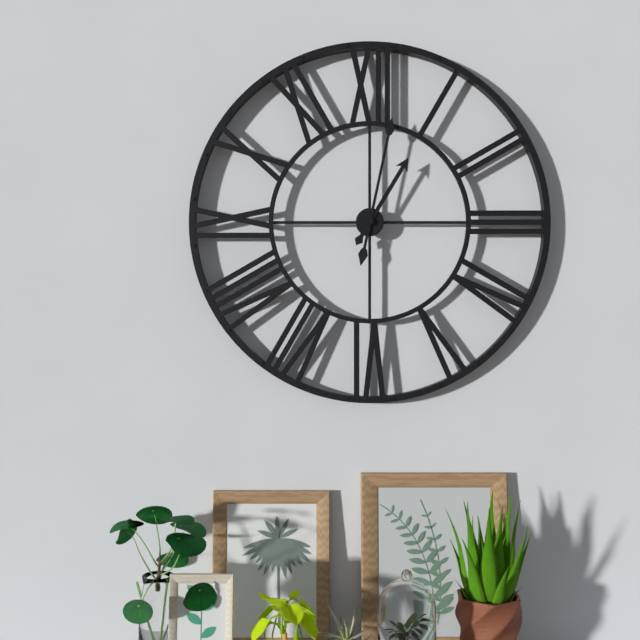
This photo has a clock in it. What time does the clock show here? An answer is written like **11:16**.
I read **1:02**
